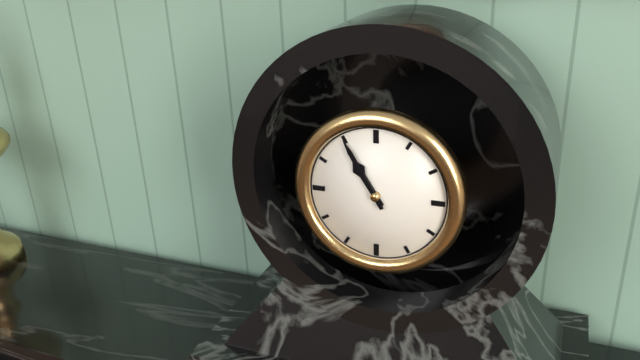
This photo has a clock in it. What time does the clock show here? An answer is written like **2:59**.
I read **10:55**
